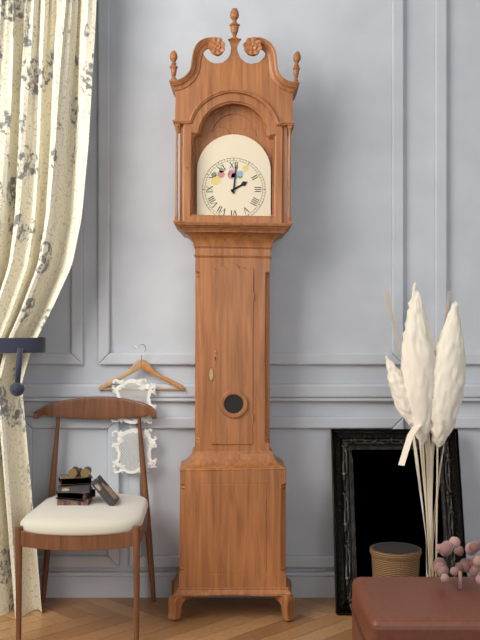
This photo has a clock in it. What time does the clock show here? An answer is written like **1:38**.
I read **2:01**
